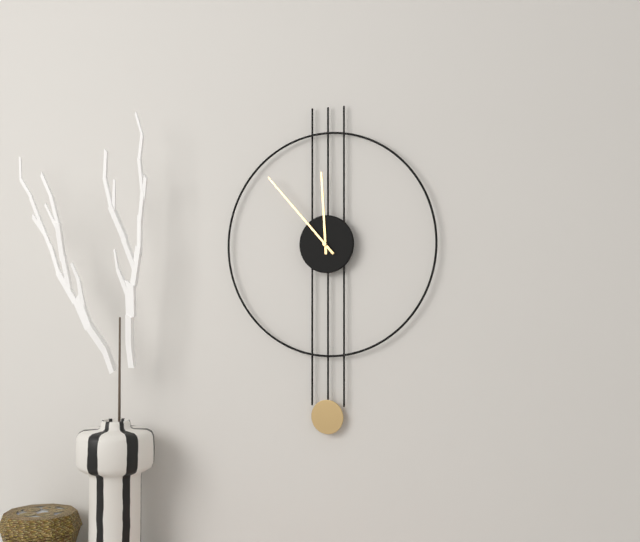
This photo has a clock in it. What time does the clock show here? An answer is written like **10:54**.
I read **11:53**
